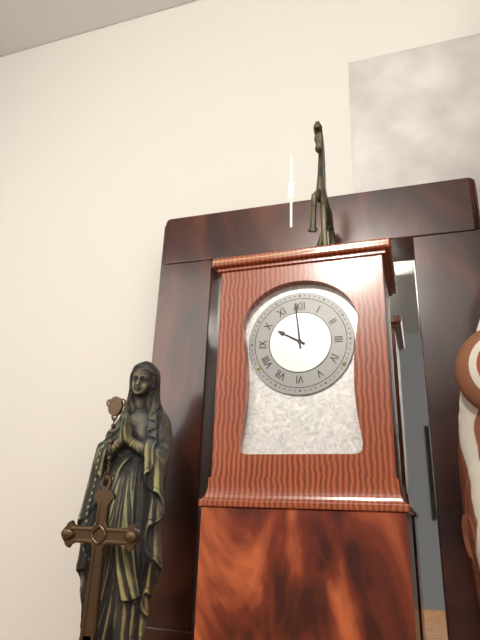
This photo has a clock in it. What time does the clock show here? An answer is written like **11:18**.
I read **9:59**
